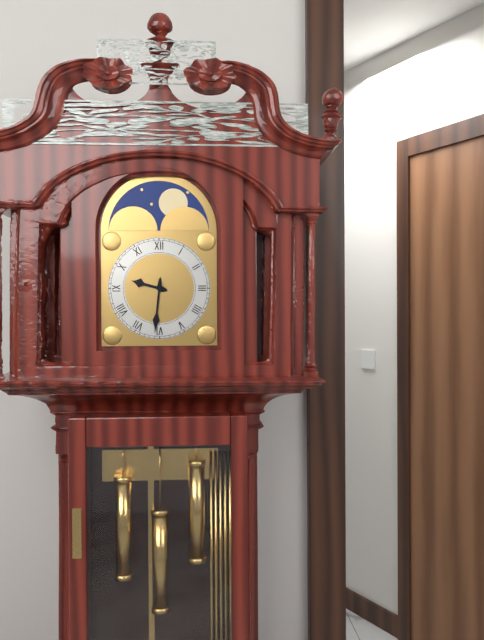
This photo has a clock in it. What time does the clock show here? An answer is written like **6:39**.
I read **9:31**
